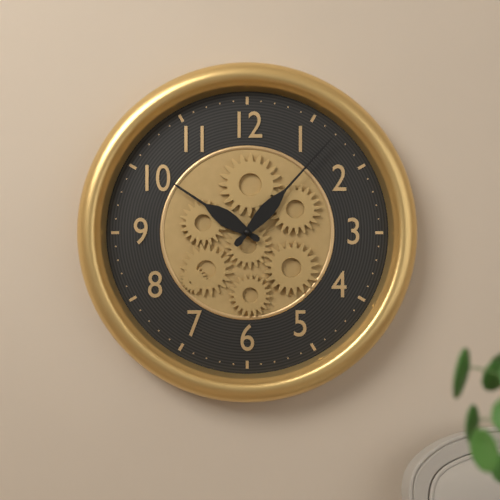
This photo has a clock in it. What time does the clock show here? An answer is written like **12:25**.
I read **10:07**
